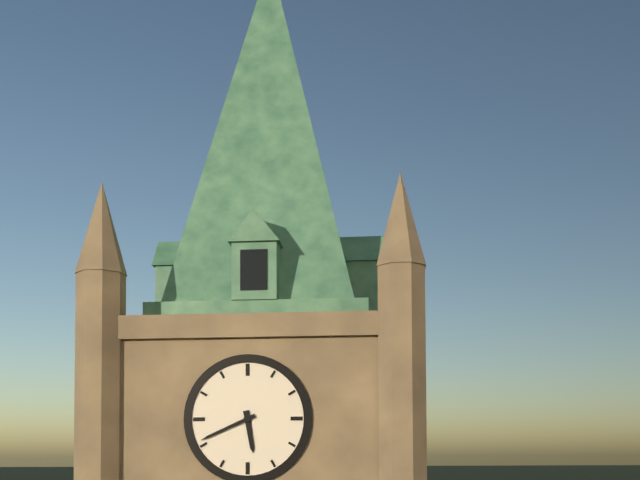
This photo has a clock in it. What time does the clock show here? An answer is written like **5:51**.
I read **5:41**
